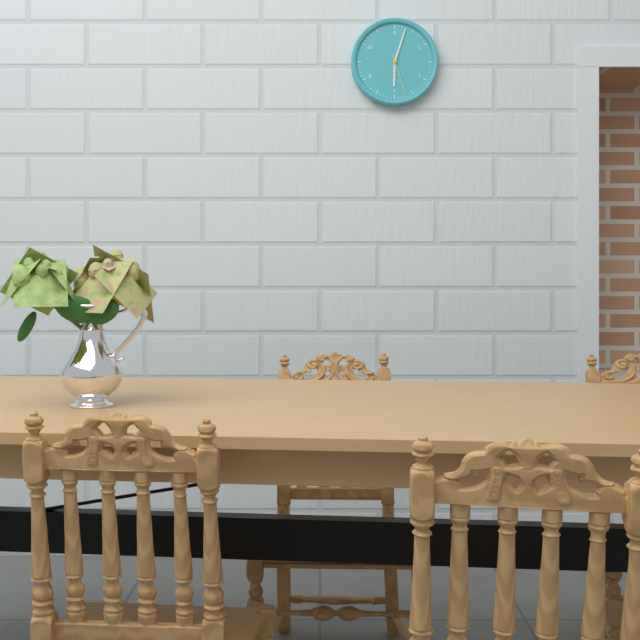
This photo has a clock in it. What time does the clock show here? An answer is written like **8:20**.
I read **6:03**
